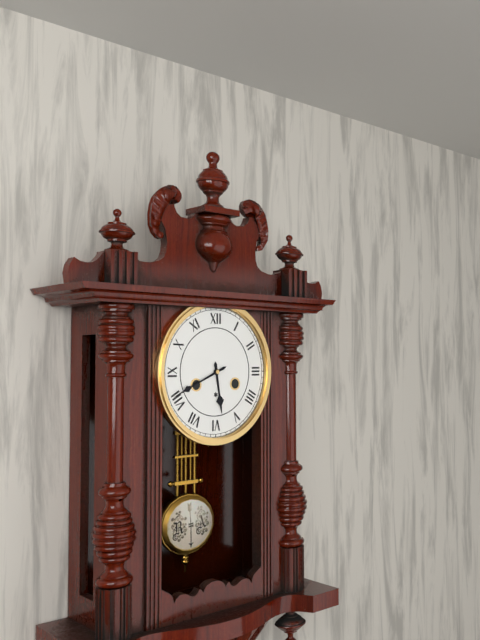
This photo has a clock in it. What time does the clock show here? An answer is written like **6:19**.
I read **5:41**
